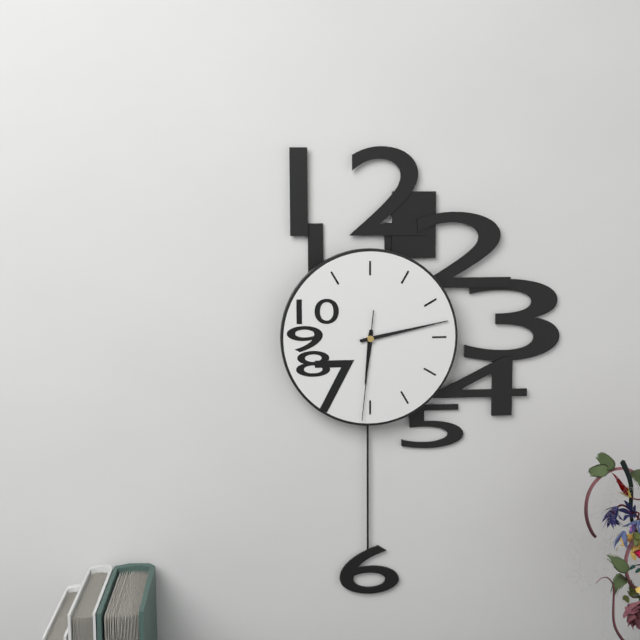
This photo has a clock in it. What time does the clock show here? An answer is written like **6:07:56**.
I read **6:13:31**
